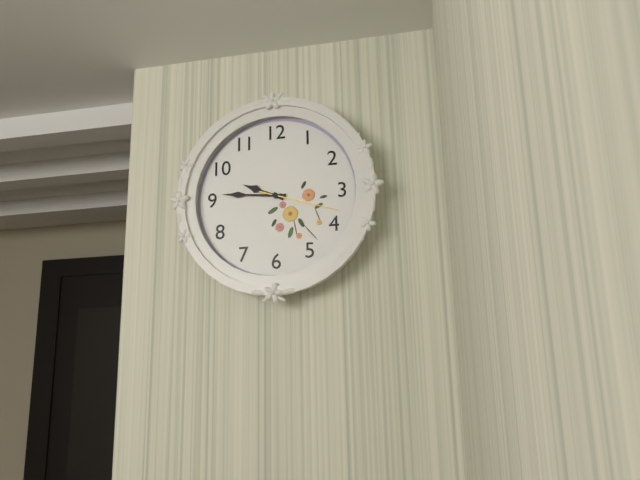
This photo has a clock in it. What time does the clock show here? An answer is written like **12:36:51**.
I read **9:46:18**
